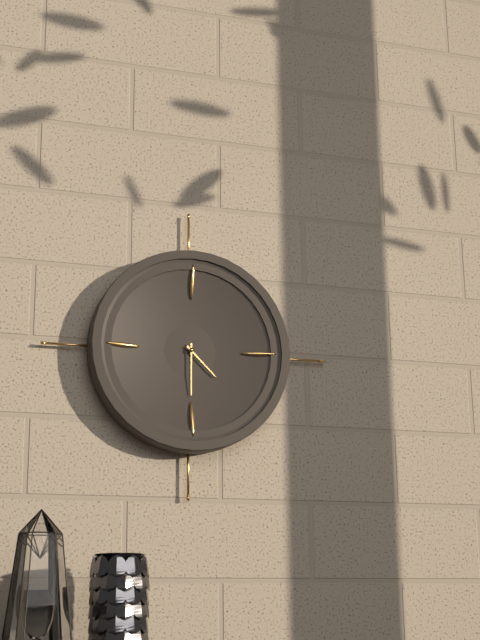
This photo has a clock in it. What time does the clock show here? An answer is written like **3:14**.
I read **4:30**
